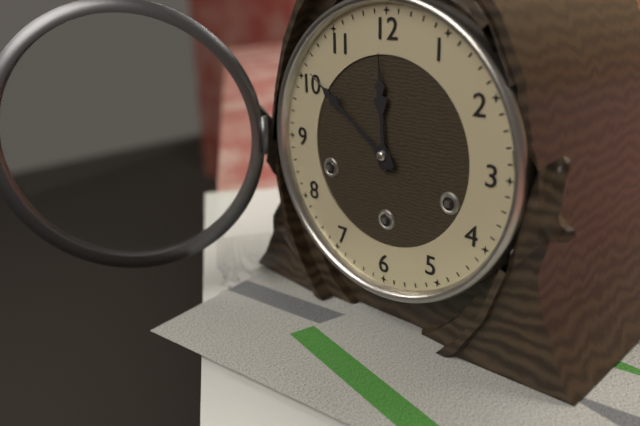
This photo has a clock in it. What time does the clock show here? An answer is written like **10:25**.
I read **11:51**
